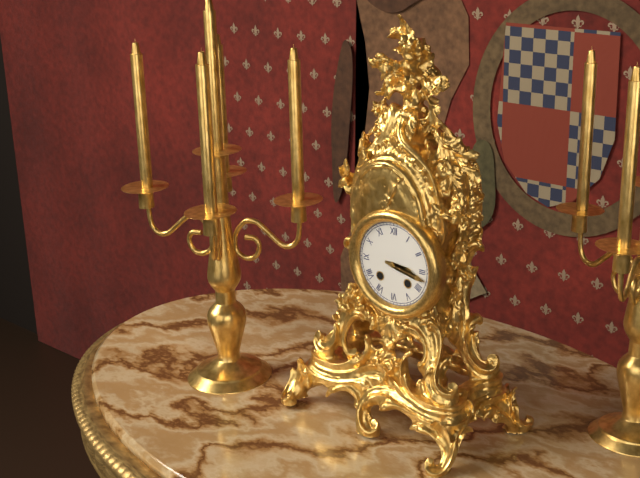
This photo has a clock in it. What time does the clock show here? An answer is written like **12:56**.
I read **3:17**
